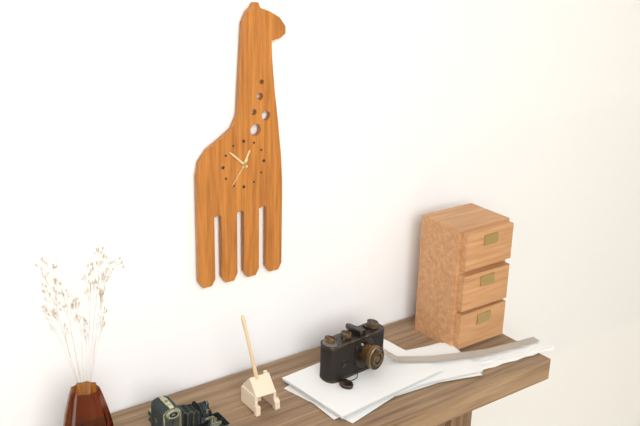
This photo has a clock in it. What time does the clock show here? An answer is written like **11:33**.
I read **12:52**
